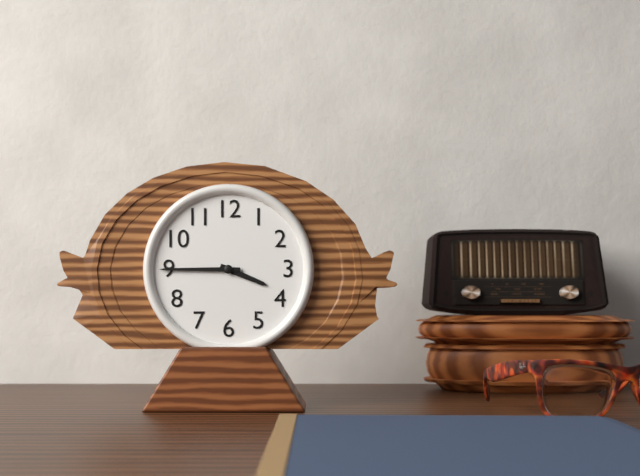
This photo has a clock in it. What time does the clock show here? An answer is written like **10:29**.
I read **3:45**
